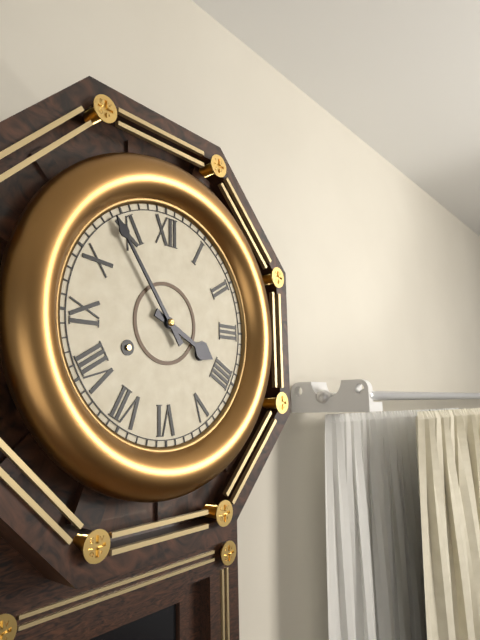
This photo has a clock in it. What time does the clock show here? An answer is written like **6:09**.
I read **3:54**
